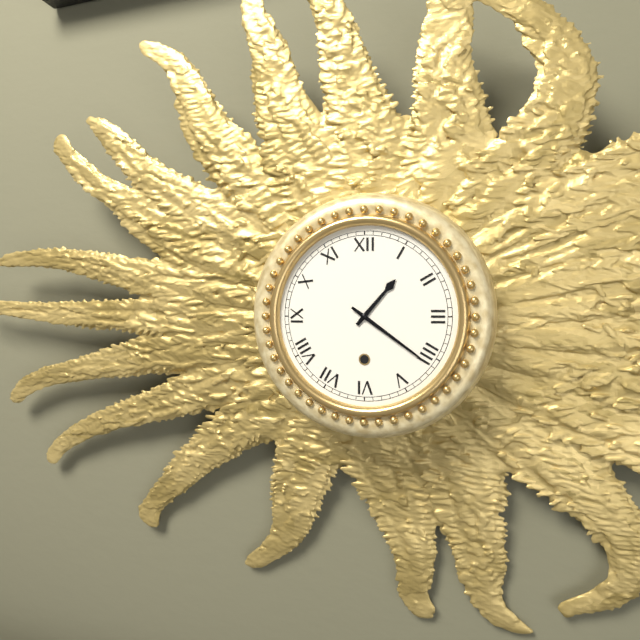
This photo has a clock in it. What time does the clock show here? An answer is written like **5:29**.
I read **1:21**
